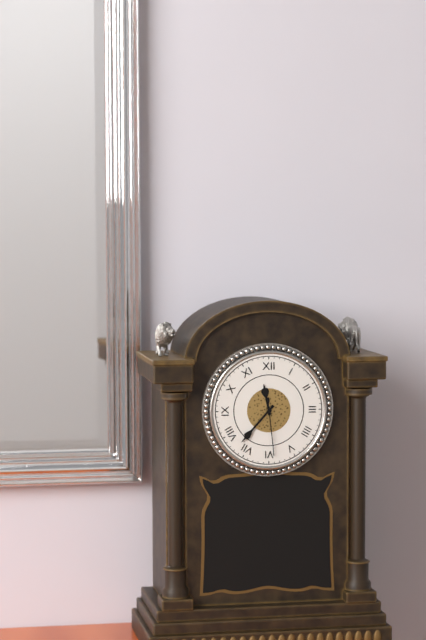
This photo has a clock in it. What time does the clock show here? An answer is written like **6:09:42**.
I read **11:37:29**
